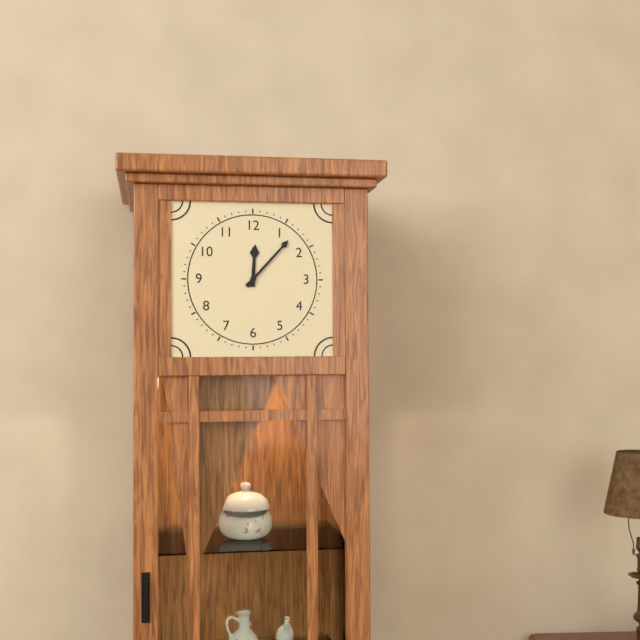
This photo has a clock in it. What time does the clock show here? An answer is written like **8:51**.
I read **12:07**
